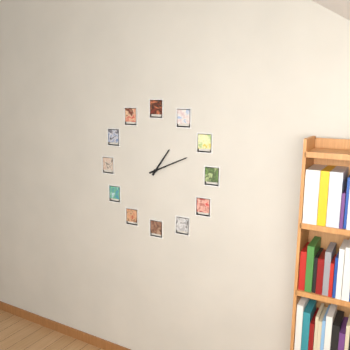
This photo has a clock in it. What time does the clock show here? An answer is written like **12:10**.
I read **1:11**
